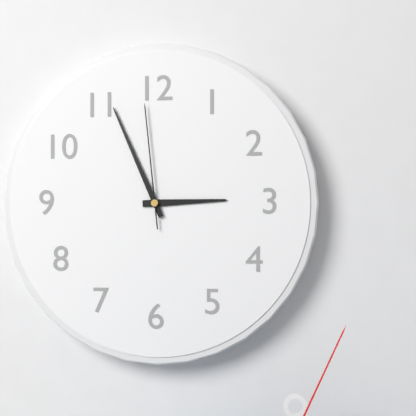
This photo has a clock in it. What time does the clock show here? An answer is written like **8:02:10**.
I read **2:56:59**
